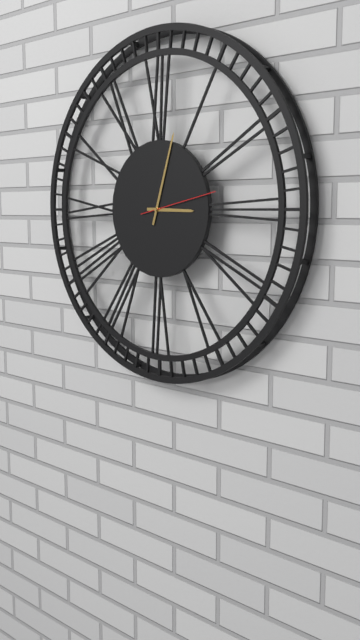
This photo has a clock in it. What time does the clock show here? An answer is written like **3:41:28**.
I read **3:03:13**
